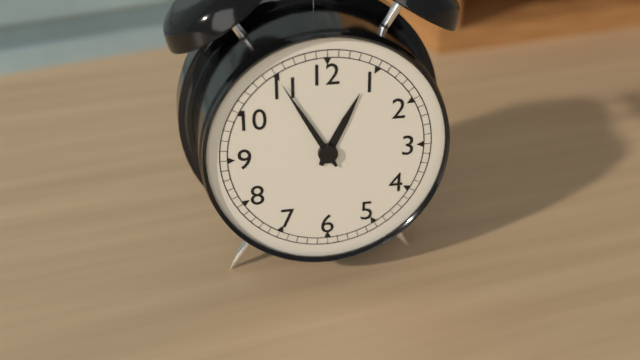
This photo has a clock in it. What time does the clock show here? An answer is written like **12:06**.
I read **12:55**
